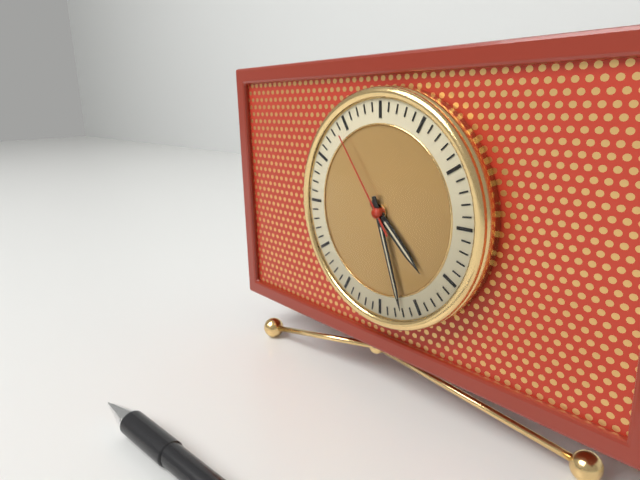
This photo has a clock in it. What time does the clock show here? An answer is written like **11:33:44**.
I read **4:27:54**
